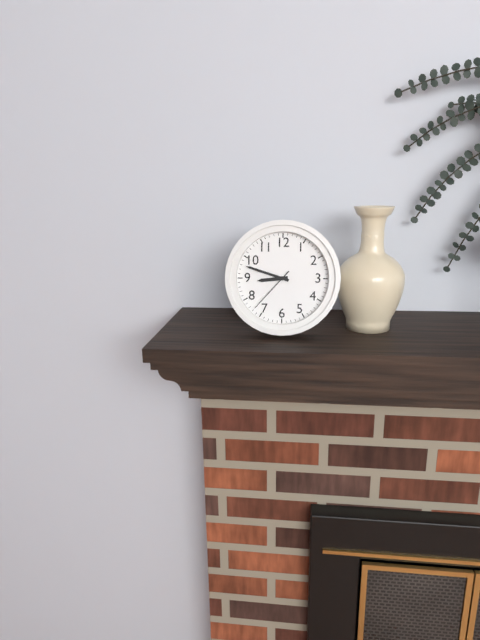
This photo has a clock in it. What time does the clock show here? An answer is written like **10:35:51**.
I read **8:48:37**
